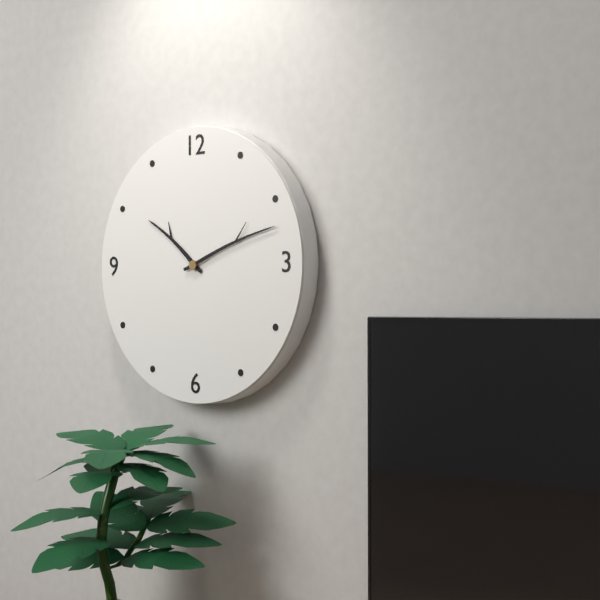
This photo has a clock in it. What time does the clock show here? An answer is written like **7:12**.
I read **10:12**
